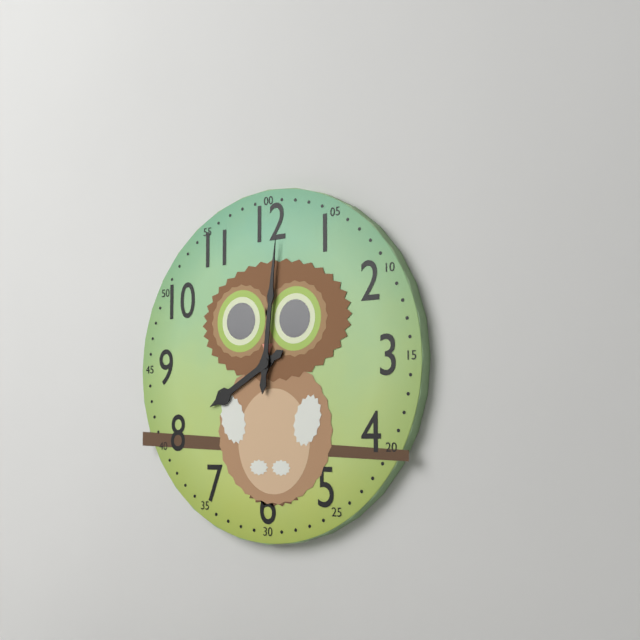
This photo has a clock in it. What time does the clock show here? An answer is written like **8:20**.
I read **8:01**
